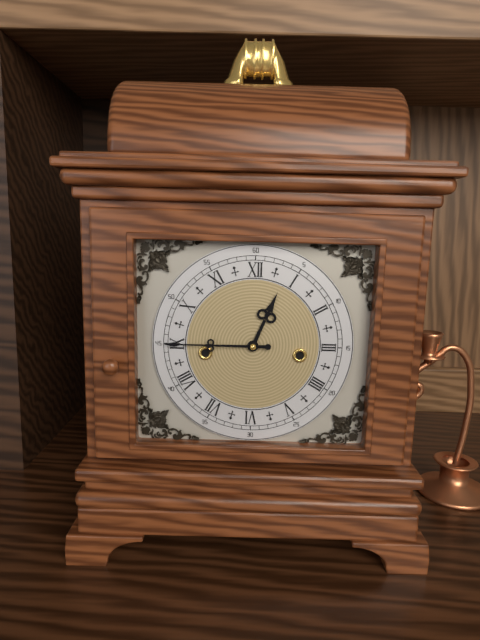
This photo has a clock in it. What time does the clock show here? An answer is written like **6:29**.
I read **12:45**
